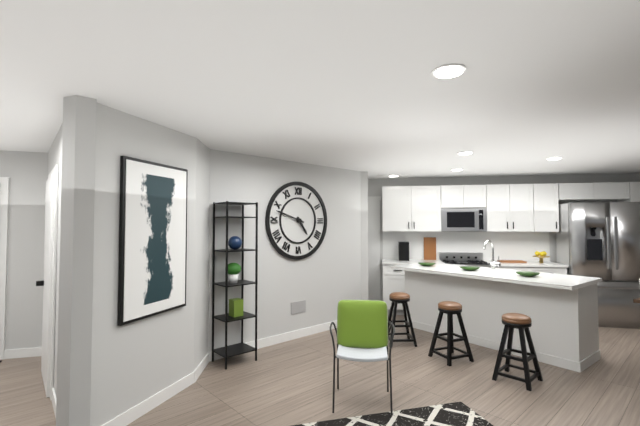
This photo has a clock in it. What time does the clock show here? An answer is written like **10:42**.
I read **4:48**
